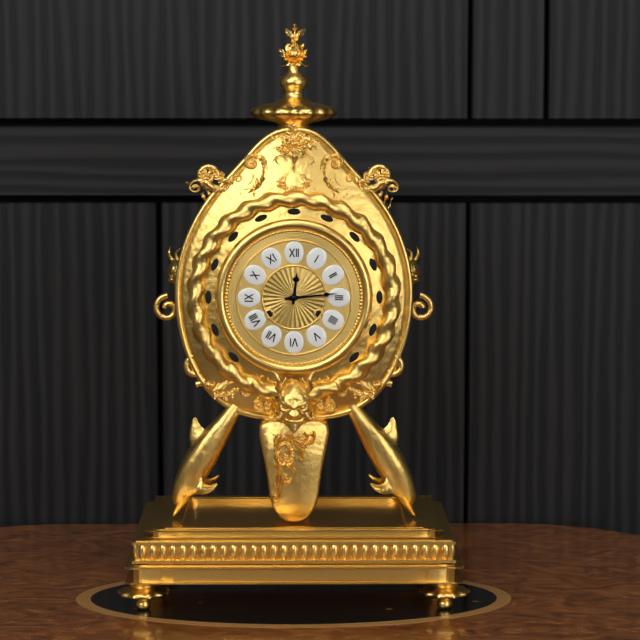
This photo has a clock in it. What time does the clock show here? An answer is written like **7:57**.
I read **12:14**
